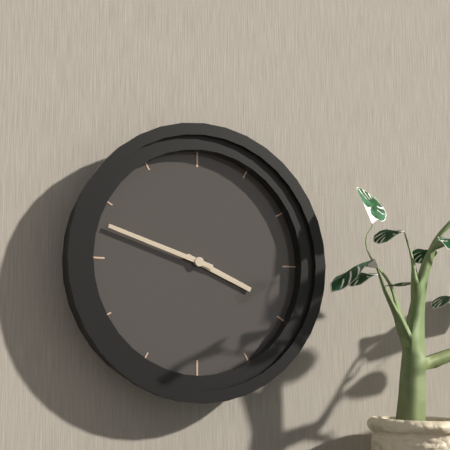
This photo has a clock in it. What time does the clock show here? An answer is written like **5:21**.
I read **3:48**
